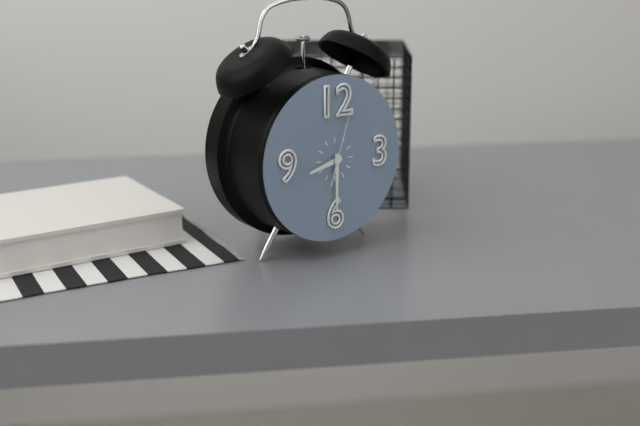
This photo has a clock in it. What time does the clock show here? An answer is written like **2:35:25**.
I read **8:30:03**
